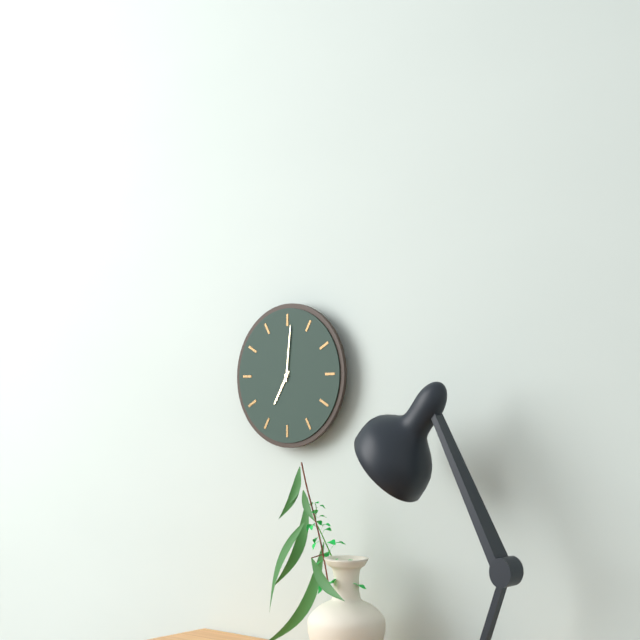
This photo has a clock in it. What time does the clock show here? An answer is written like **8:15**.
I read **7:01**
